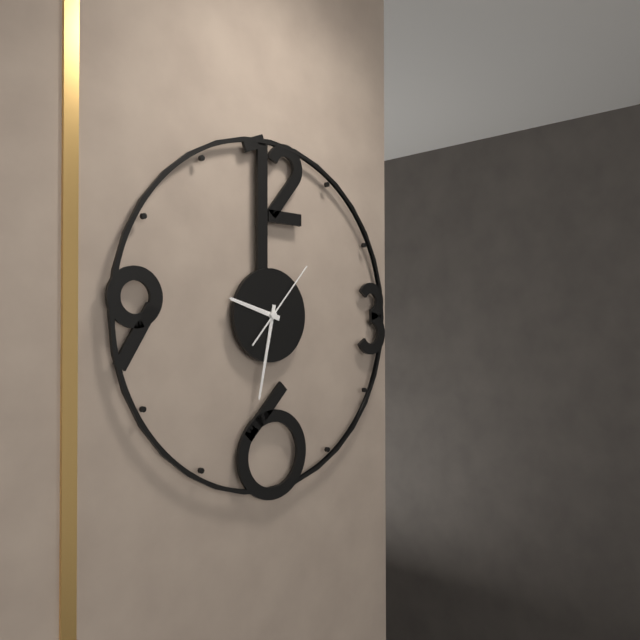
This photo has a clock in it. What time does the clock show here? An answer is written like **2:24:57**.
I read **9:32:07**
